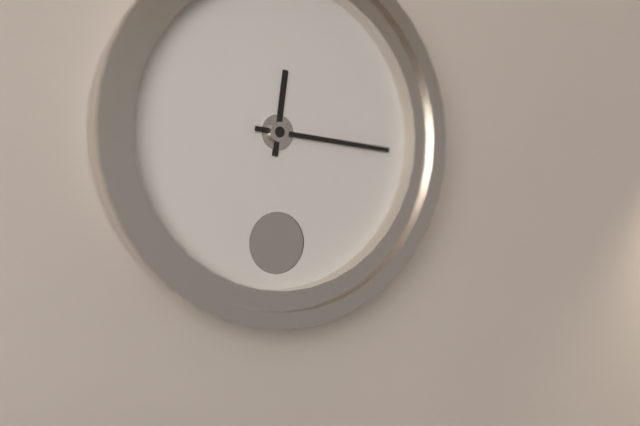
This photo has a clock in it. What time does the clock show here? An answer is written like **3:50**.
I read **12:16**
